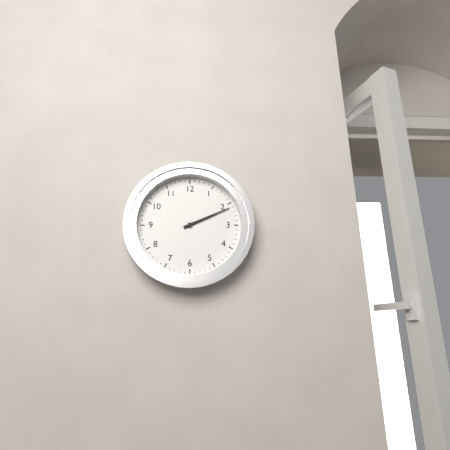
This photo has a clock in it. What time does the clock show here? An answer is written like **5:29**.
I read **2:11**
